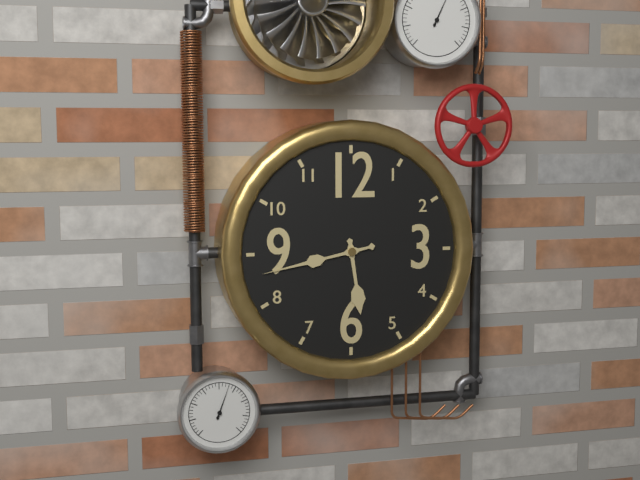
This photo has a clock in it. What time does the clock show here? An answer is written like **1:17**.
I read **5:43**
